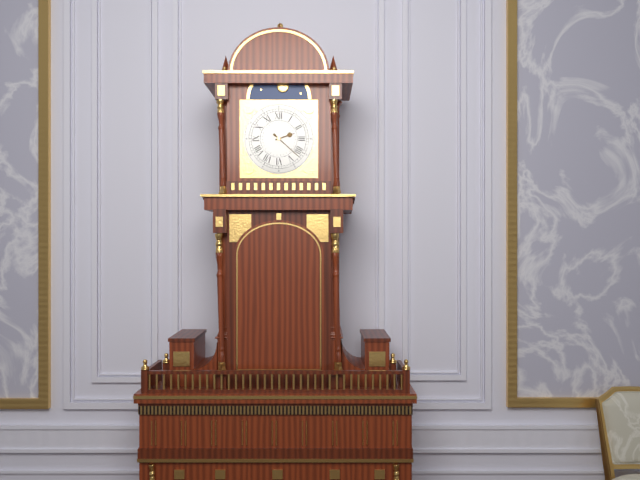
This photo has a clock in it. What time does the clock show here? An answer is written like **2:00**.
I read **2:22**
